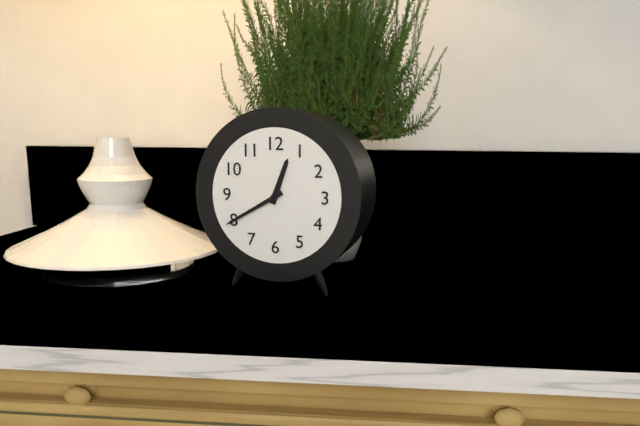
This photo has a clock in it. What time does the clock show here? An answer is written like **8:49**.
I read **12:40**
